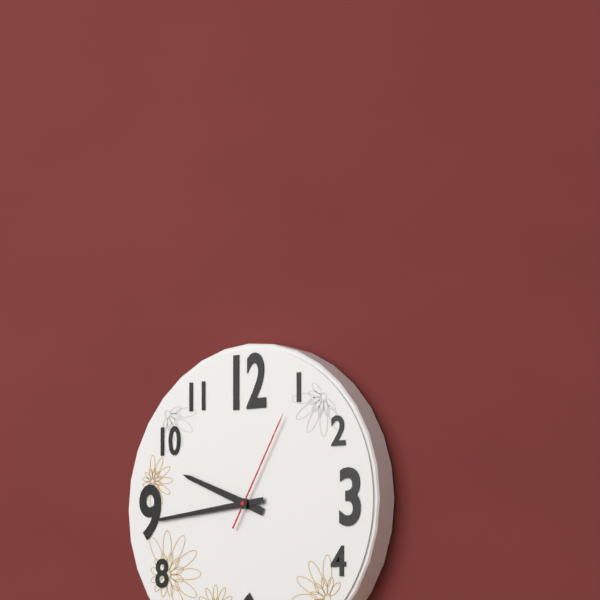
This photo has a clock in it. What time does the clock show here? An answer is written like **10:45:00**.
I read **9:44:05**
